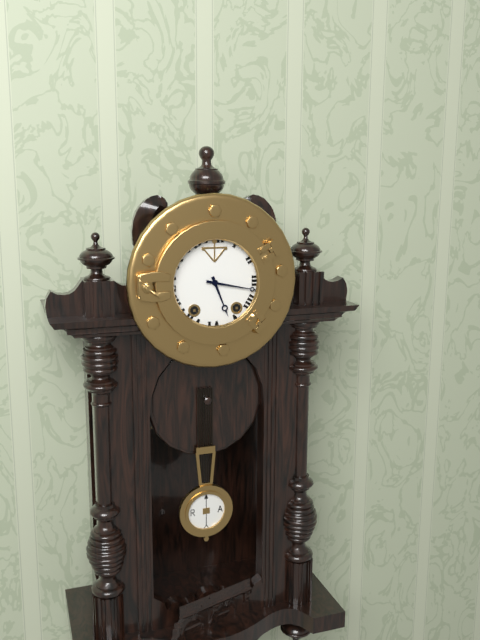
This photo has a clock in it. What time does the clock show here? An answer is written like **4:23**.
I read **5:17**
